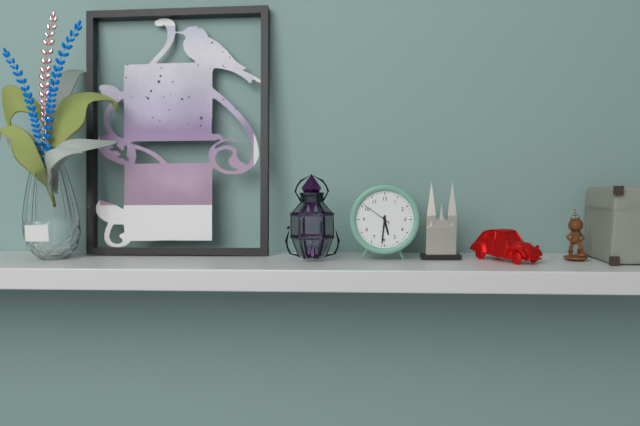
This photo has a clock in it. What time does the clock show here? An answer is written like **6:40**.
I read **5:31**
